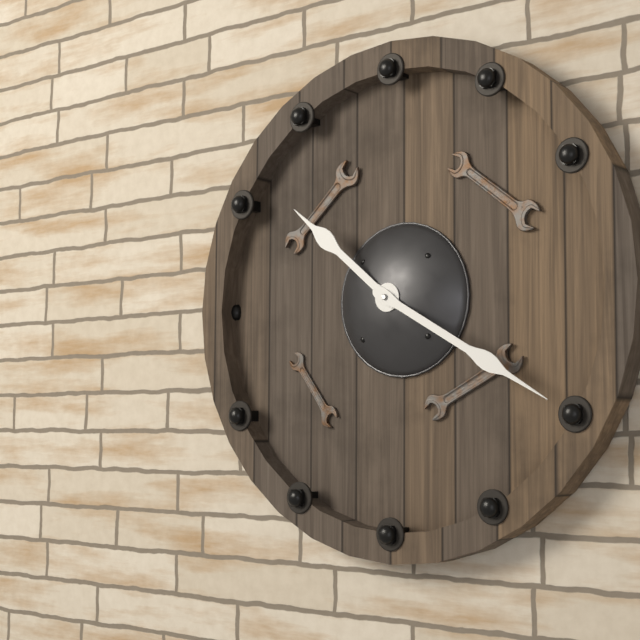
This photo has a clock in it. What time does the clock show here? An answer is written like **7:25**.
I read **10:20**
